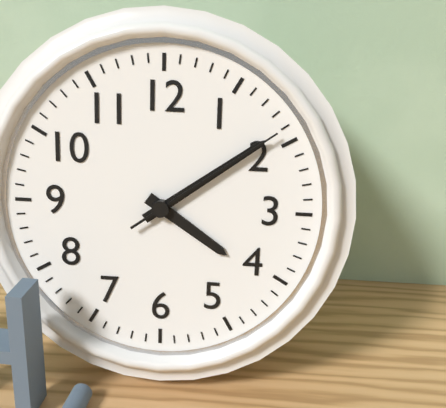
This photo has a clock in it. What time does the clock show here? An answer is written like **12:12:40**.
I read **4:09:09**
